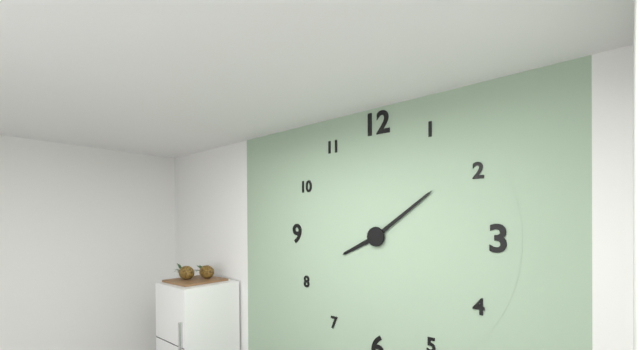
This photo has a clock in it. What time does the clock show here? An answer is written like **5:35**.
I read **8:09**
